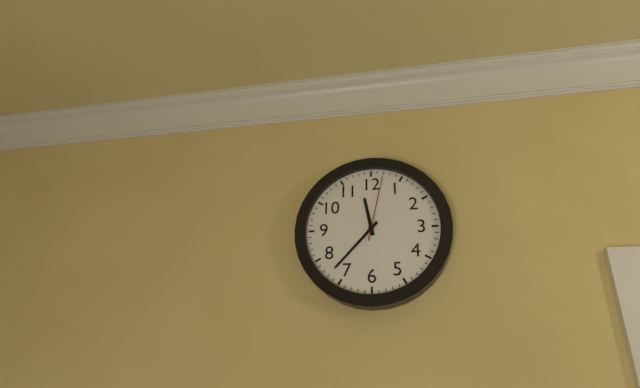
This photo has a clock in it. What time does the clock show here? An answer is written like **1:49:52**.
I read **11:37:02**
